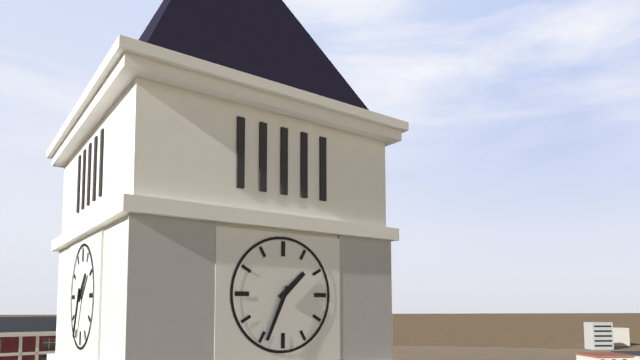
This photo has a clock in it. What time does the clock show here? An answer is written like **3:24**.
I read **1:34**
